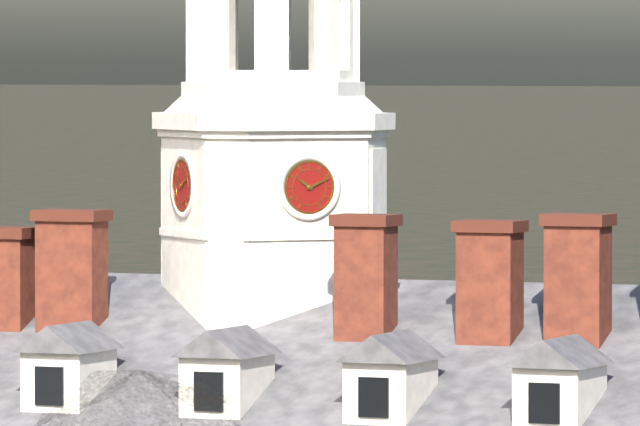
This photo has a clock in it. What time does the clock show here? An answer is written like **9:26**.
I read **10:11**
